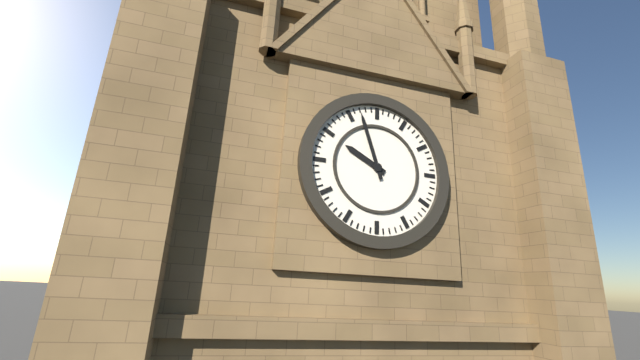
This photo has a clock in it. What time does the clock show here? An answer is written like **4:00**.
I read **9:57**
